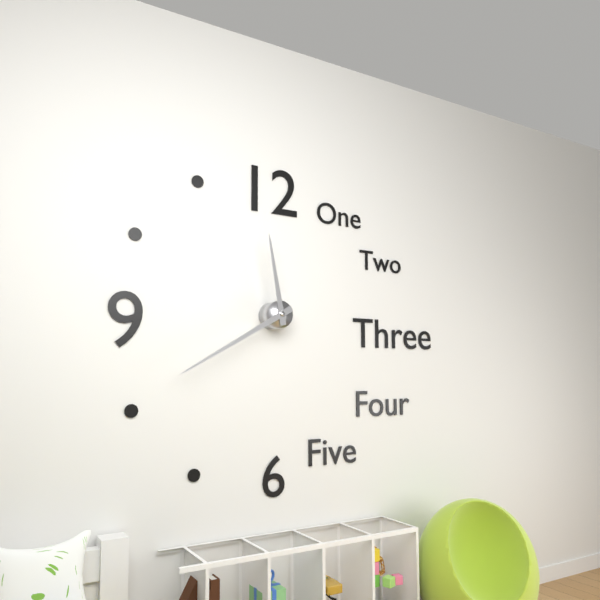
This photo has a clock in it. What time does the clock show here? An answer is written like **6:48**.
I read **11:40**
